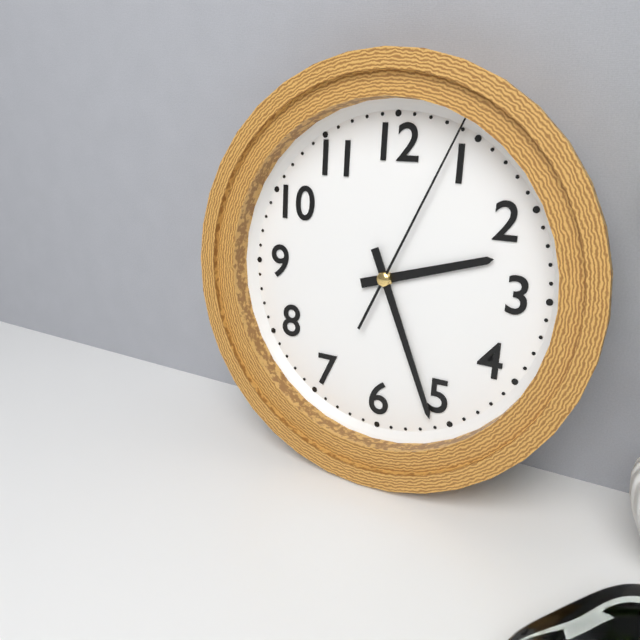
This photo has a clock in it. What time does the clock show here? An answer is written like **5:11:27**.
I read **2:26:04**
